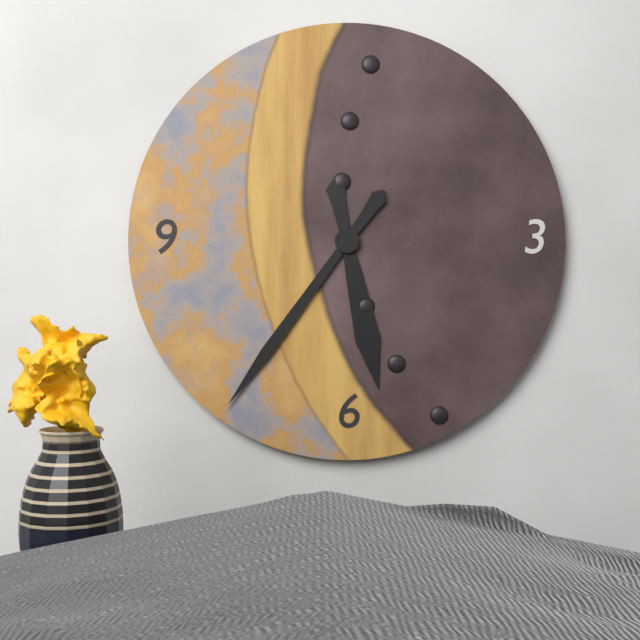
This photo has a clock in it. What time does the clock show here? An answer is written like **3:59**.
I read **5:36**
